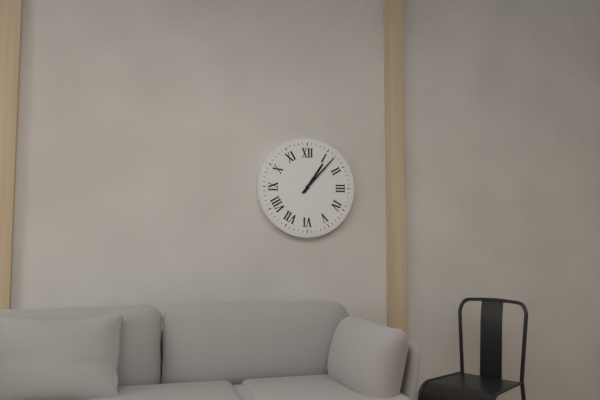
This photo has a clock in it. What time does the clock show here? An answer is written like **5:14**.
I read **1:07**
